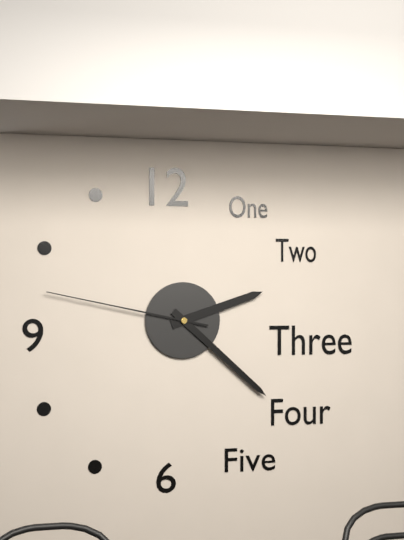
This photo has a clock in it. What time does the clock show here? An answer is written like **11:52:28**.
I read **2:22:47**
